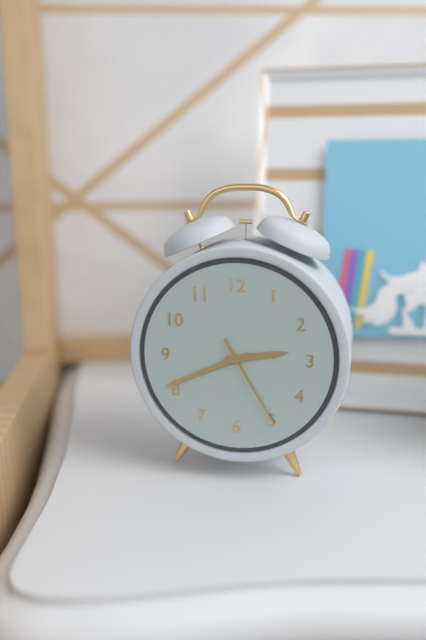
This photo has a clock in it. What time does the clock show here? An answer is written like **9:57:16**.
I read **2:41:25**
